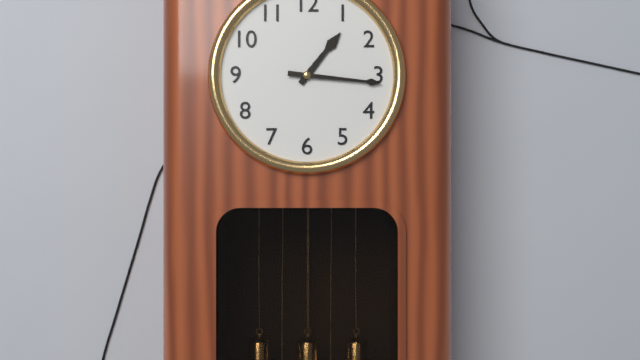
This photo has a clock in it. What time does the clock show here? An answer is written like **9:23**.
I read **1:16**
